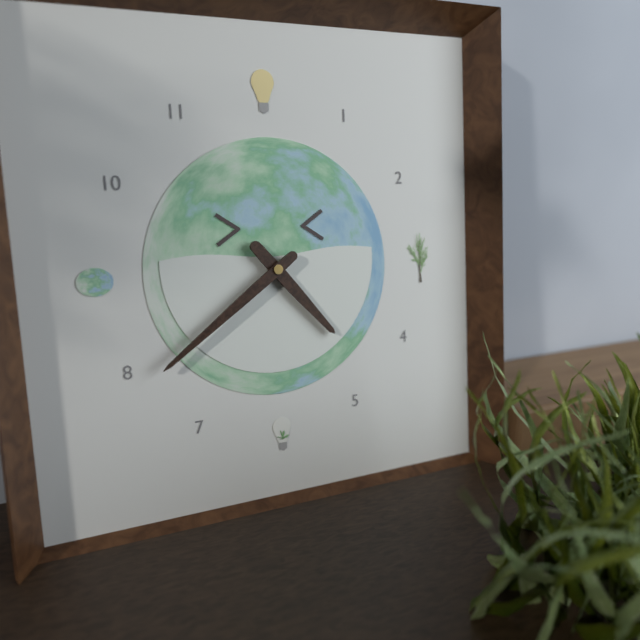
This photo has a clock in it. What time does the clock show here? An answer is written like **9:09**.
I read **4:39**
